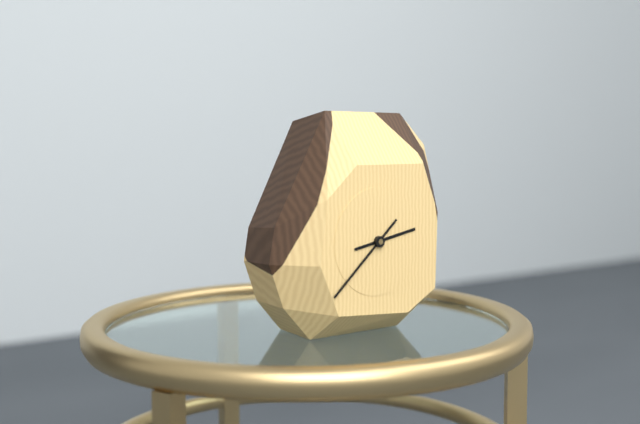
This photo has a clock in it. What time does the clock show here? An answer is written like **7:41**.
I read **2:38**
